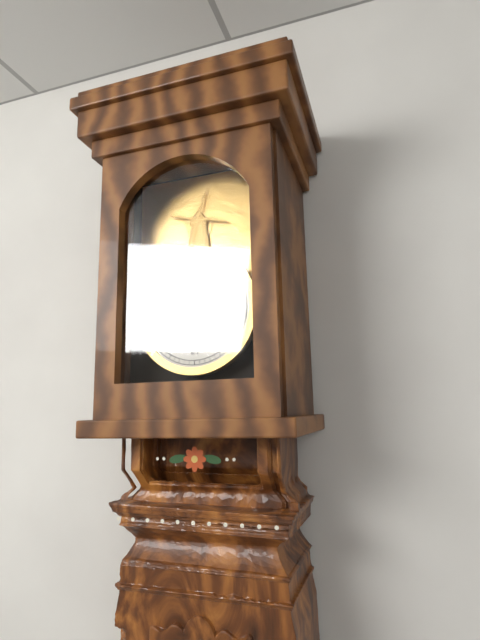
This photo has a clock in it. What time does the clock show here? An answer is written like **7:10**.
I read **9:20**
